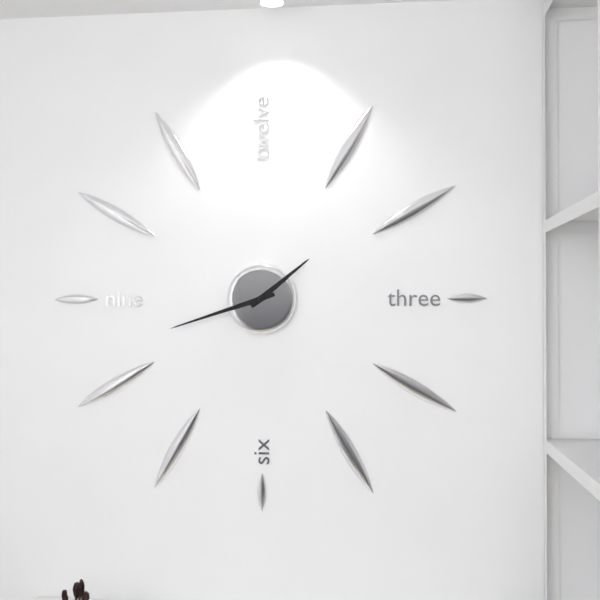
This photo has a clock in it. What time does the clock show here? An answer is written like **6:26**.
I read **1:42**
